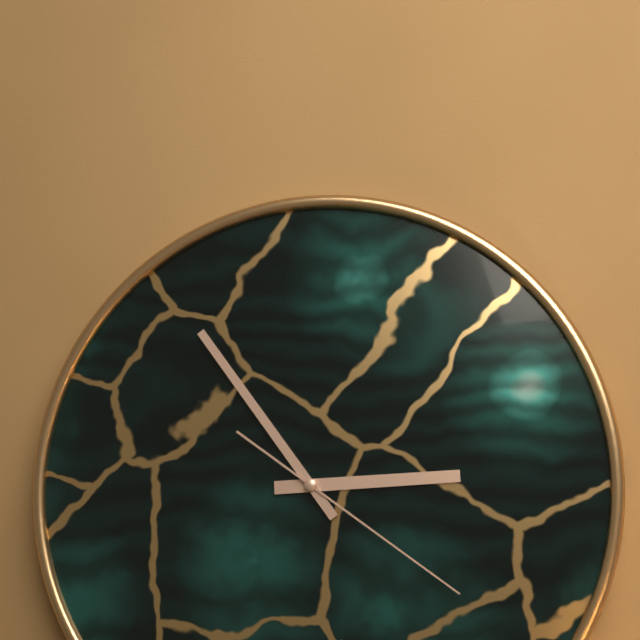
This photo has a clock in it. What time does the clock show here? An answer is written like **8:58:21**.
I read **2:54:21**
